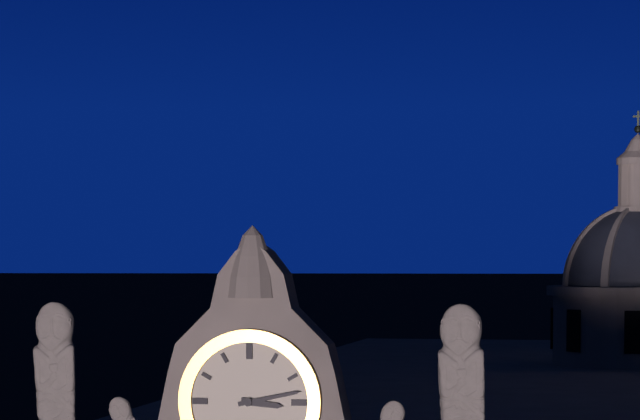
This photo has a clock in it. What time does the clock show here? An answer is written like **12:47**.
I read **3:13**
